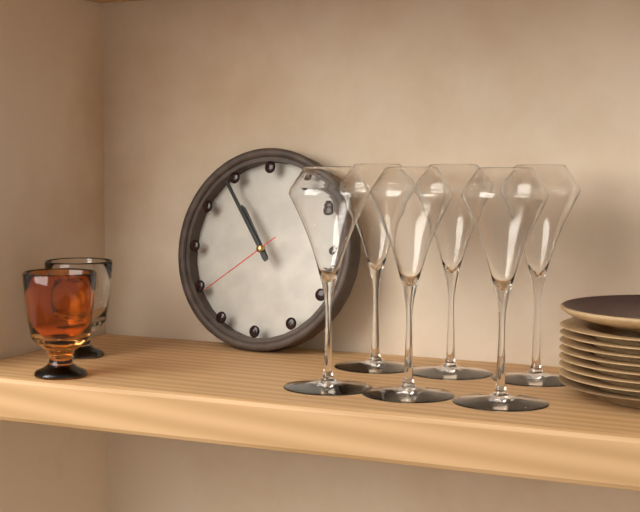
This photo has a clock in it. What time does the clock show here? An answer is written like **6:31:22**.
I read **10:54:39**
